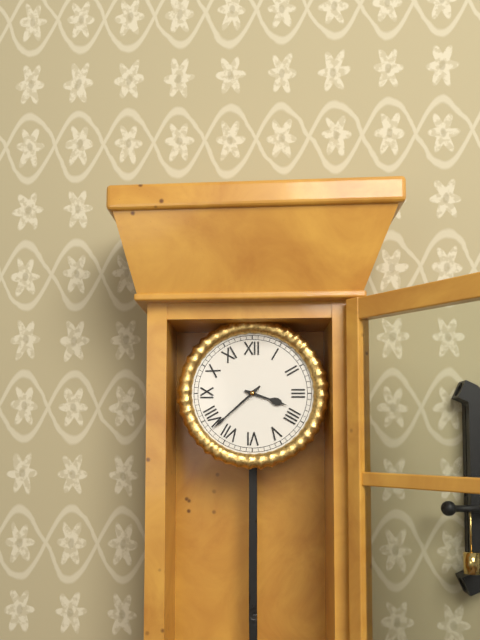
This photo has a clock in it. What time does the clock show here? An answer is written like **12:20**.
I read **3:38**
